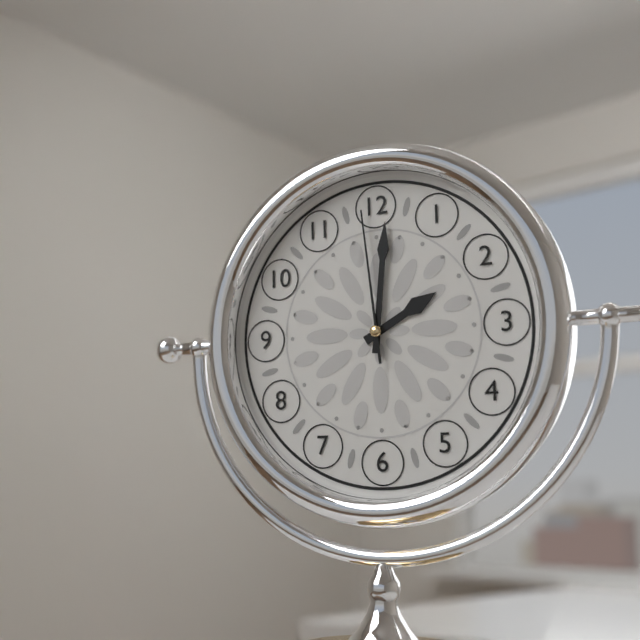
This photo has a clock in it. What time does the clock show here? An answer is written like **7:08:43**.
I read **2:01:59**
